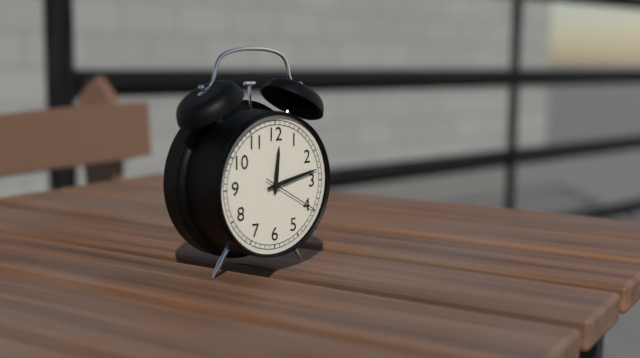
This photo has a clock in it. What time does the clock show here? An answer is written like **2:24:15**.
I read **12:13:20**
